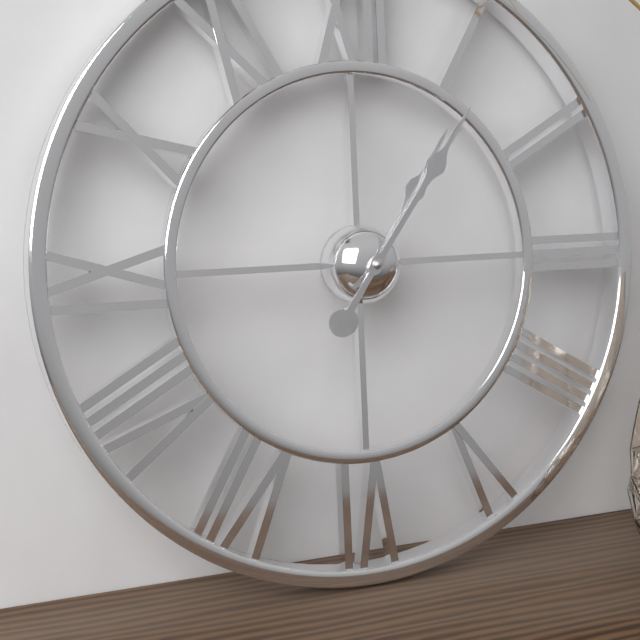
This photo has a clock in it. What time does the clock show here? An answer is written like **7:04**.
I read **1:06**
